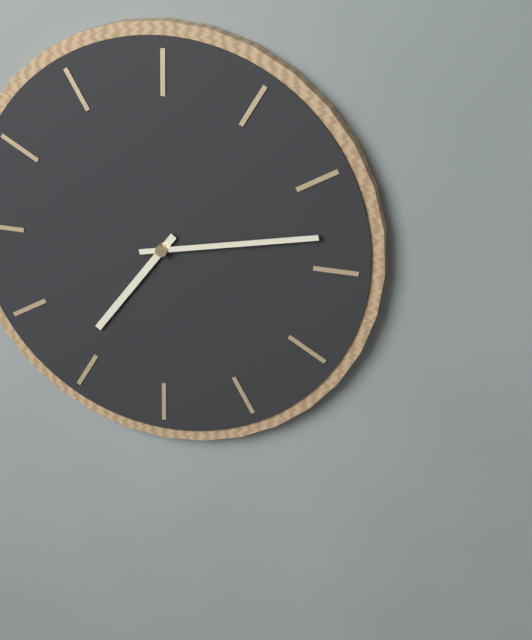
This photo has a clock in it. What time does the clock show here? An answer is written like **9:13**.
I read **7:13**
